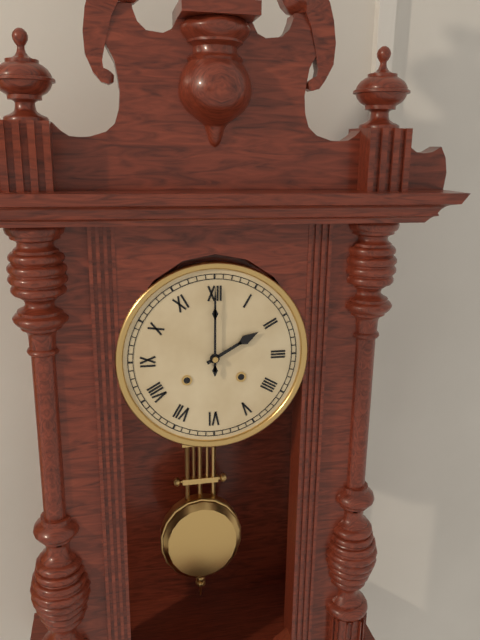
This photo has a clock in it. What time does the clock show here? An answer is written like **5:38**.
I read **2:00**
